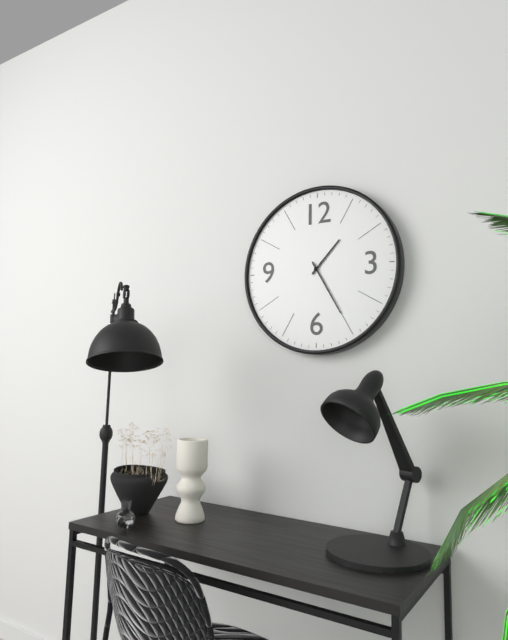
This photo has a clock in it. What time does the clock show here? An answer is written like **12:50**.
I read **1:25**
